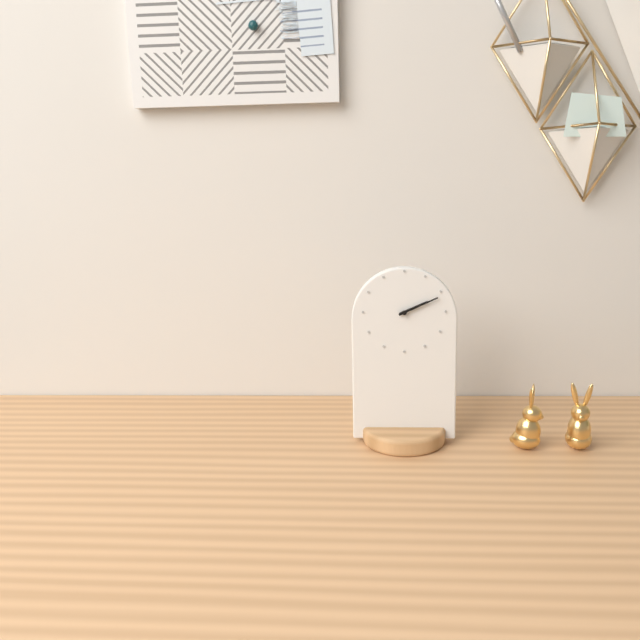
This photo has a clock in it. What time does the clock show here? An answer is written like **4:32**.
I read **2:11**
